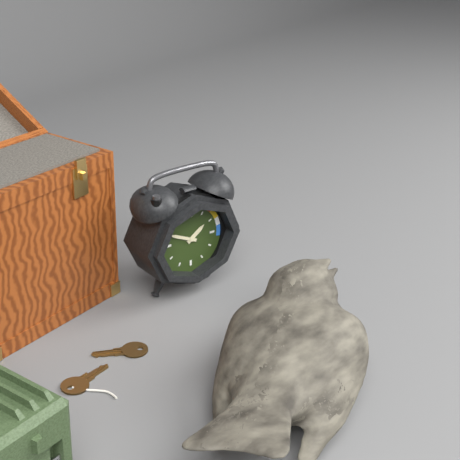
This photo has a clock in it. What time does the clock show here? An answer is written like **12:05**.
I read **1:49**
